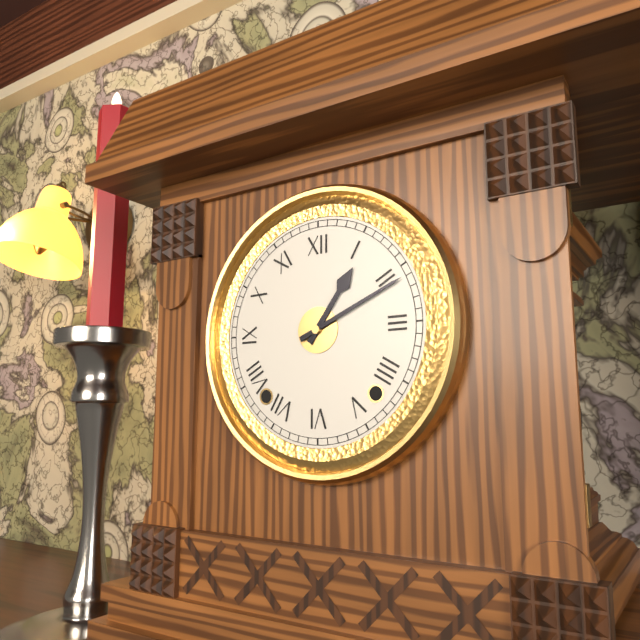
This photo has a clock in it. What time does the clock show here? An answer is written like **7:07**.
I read **1:11**
